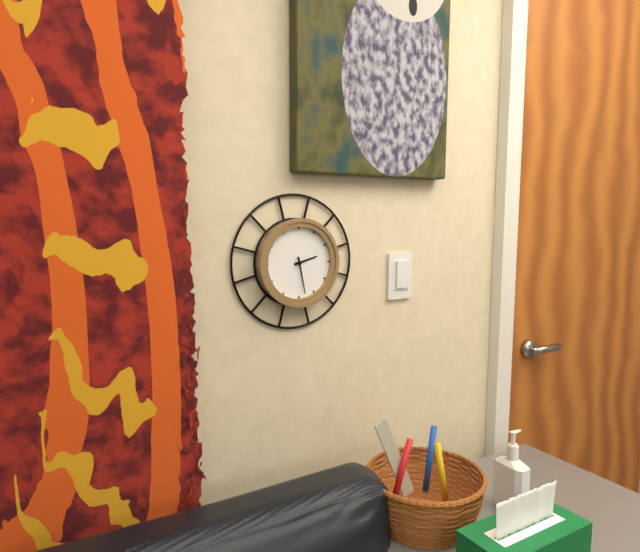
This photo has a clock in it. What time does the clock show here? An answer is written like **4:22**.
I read **2:28**
